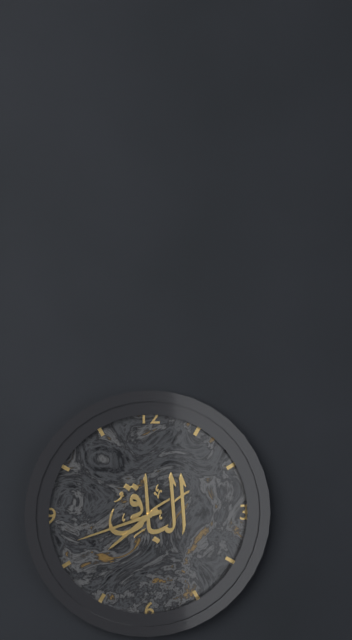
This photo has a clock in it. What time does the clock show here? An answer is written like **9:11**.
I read **7:42**
